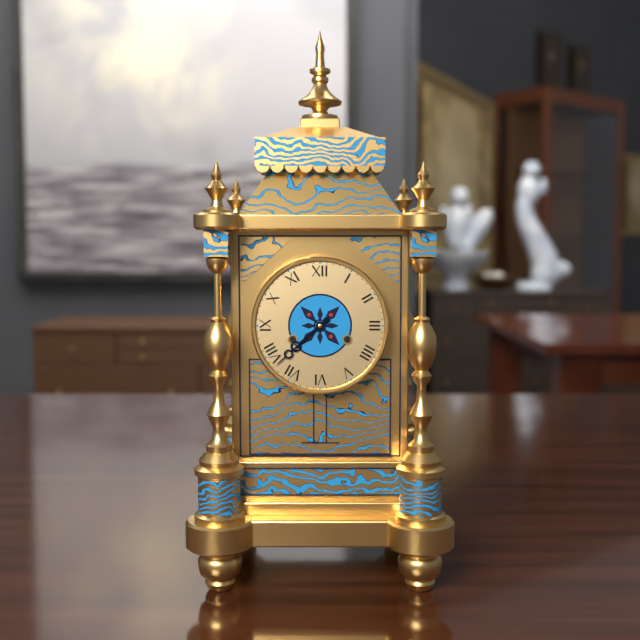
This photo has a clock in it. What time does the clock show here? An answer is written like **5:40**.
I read **7:38**
